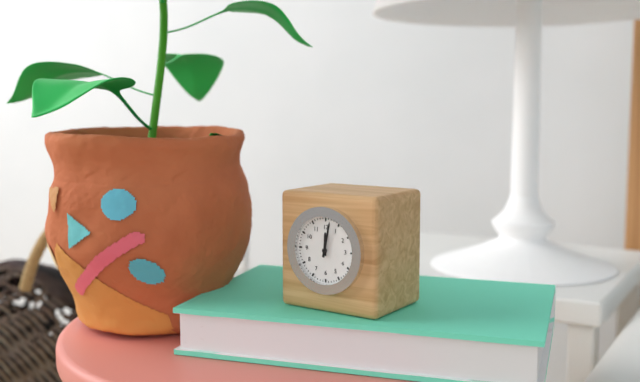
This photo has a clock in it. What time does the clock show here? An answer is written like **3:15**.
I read **12:02**
